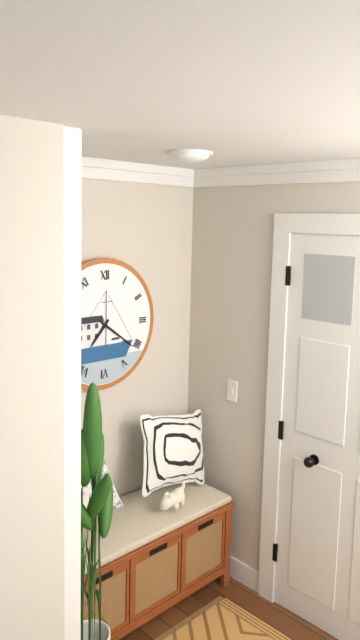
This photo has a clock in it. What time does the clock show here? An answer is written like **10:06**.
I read **7:21**
